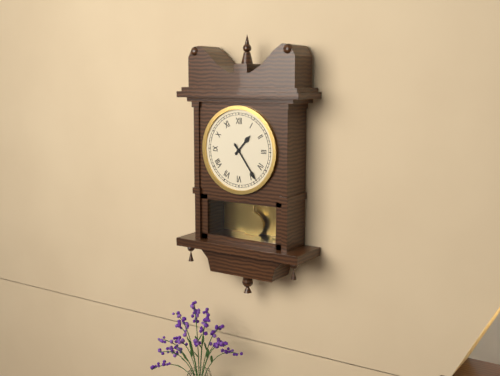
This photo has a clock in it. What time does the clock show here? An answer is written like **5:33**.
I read **1:24**
